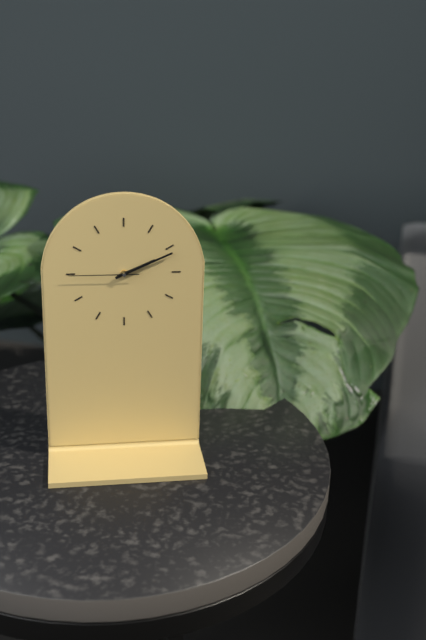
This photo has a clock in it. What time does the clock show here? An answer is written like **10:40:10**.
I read **2:11:45**
